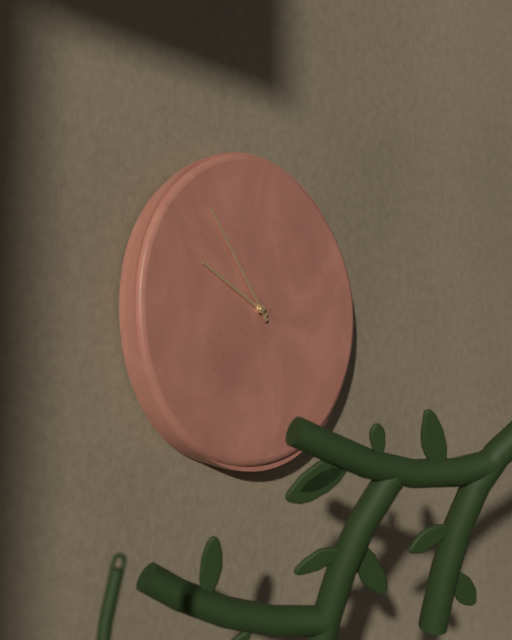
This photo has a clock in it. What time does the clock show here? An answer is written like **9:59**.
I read **9:54**
